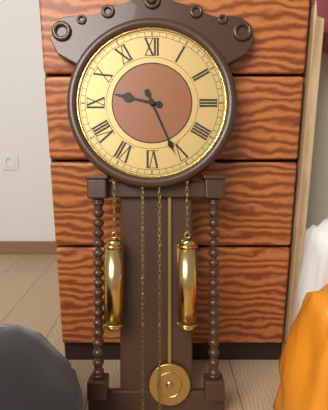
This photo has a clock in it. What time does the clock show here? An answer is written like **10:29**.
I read **9:26**
